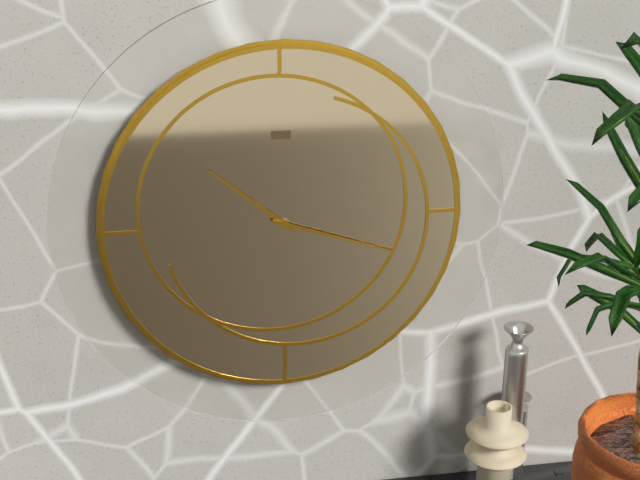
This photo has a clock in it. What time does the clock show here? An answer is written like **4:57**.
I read **10:18**
